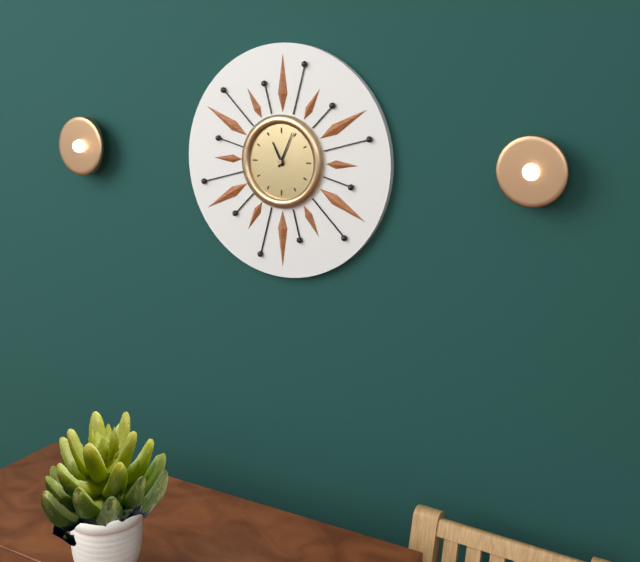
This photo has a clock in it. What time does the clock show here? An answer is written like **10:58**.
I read **11:04**
